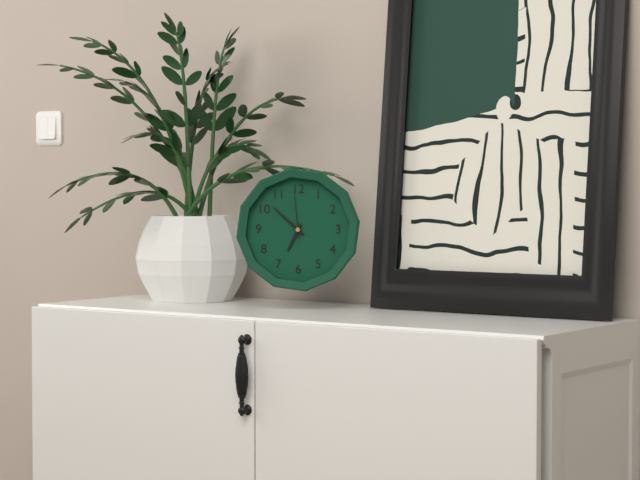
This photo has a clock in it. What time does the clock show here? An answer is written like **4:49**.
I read **6:52**
